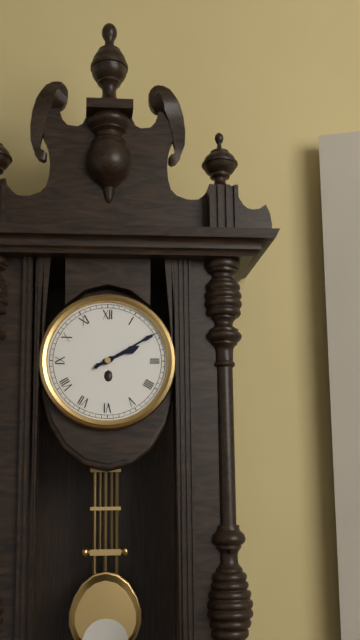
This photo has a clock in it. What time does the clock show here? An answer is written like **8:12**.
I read **2:10**
